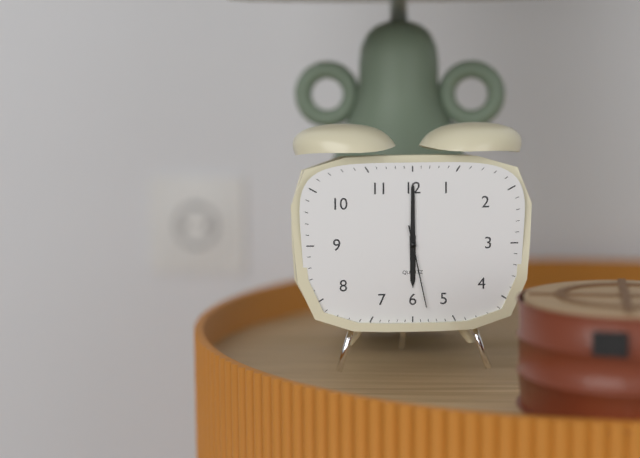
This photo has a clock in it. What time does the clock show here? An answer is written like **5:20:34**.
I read **6:00:28**
